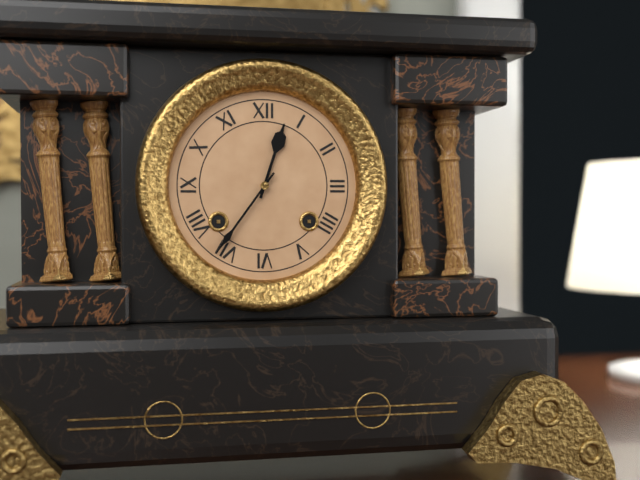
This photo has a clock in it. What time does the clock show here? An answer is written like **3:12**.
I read **12:36**
